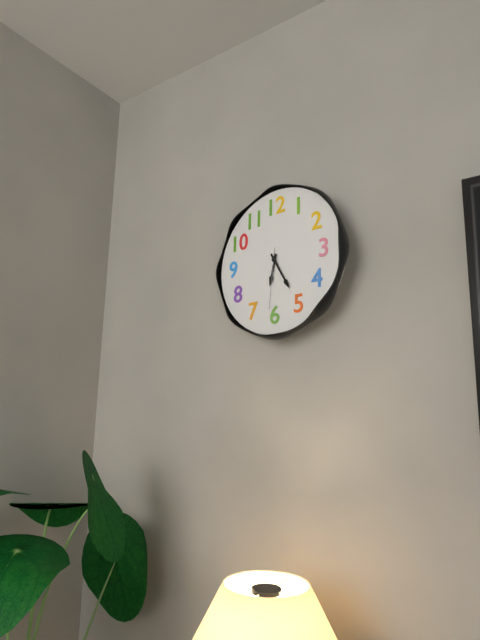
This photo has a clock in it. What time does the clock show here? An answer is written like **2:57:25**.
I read **6:25:31**
